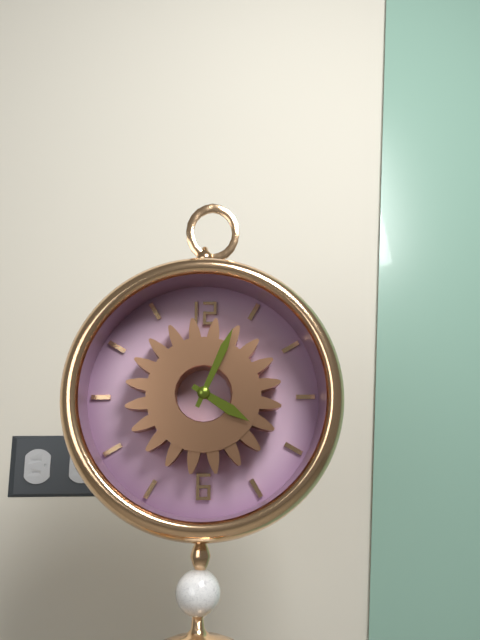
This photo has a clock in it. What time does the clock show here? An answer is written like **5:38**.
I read **4:04**
